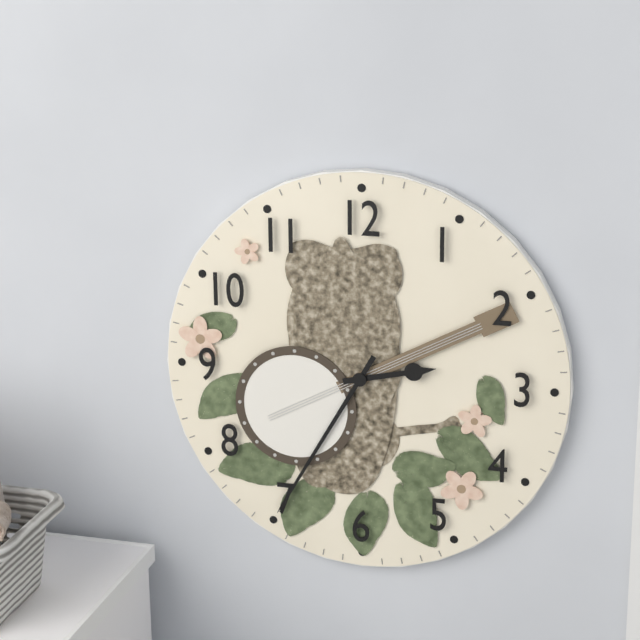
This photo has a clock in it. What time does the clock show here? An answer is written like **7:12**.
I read **2:35**
